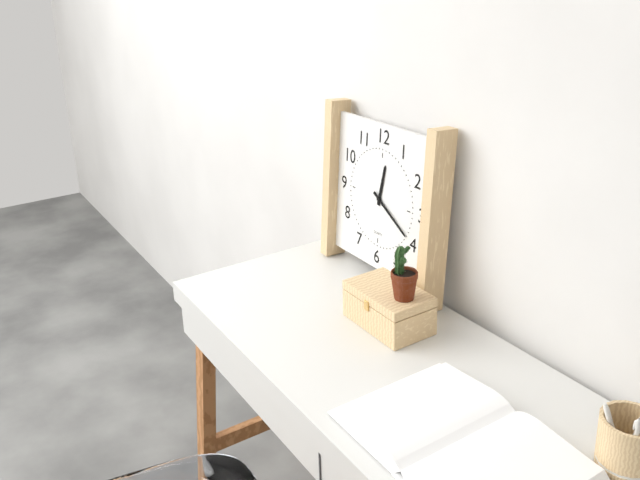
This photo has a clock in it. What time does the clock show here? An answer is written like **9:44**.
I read **12:20**
